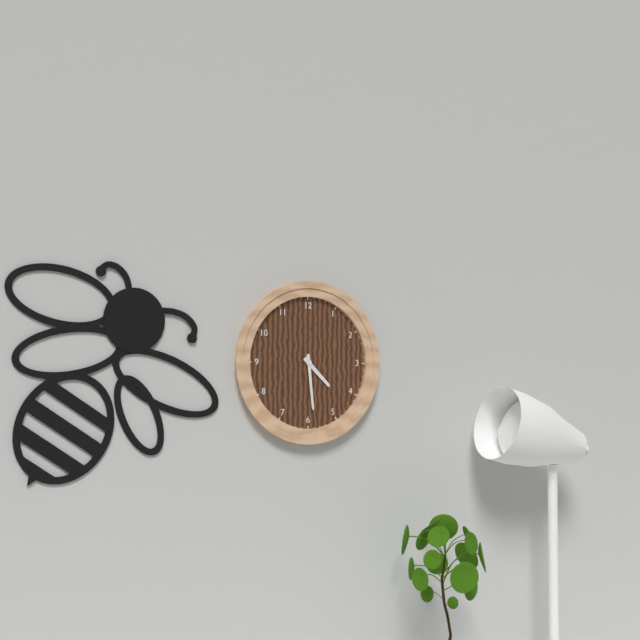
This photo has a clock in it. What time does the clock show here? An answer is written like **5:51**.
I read **4:29**
